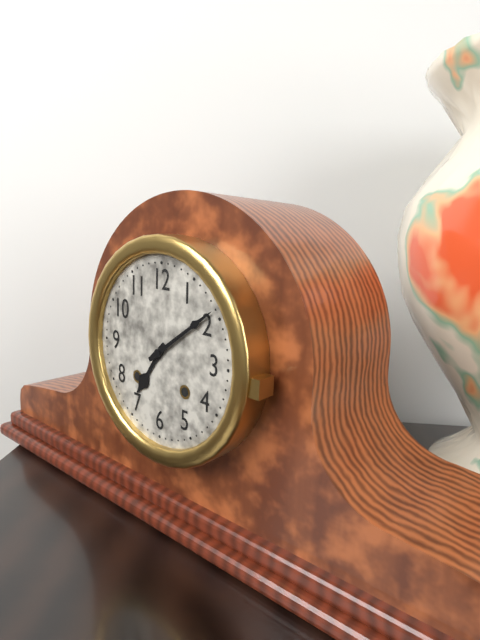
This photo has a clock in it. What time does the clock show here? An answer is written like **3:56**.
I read **7:09**
